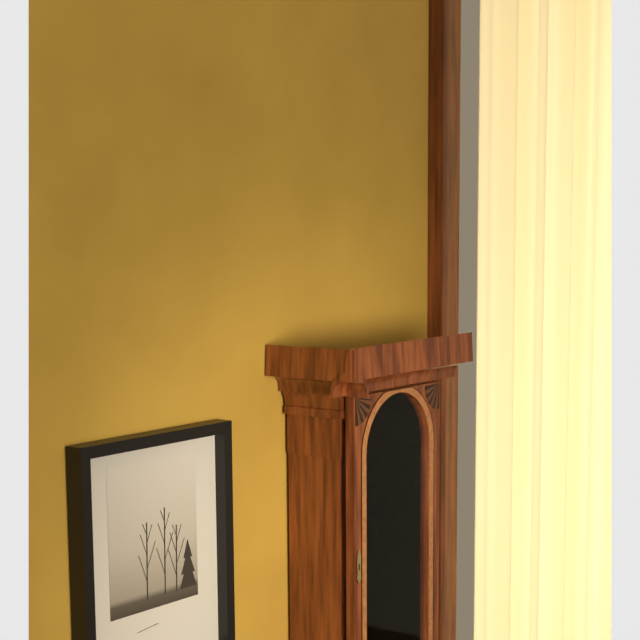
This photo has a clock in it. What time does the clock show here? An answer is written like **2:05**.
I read **5:38**
